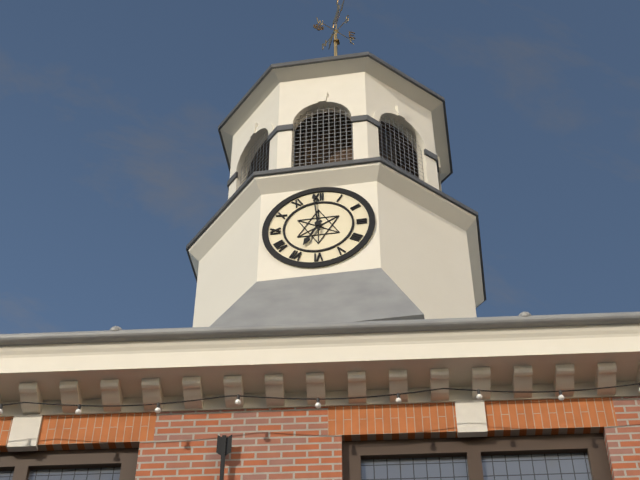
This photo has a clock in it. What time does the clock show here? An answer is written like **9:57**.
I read **6:59**
